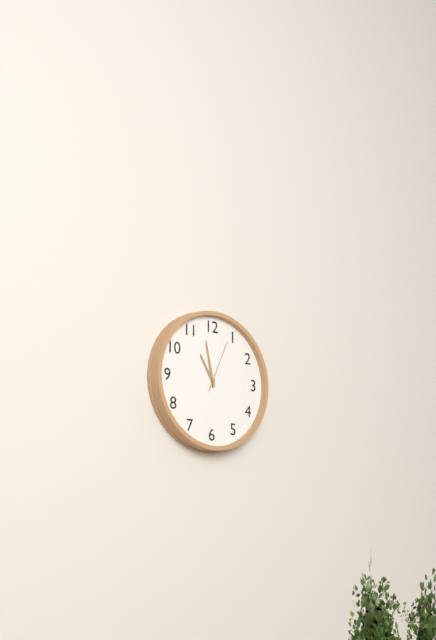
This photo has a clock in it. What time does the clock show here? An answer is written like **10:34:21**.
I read **10:58:04**
